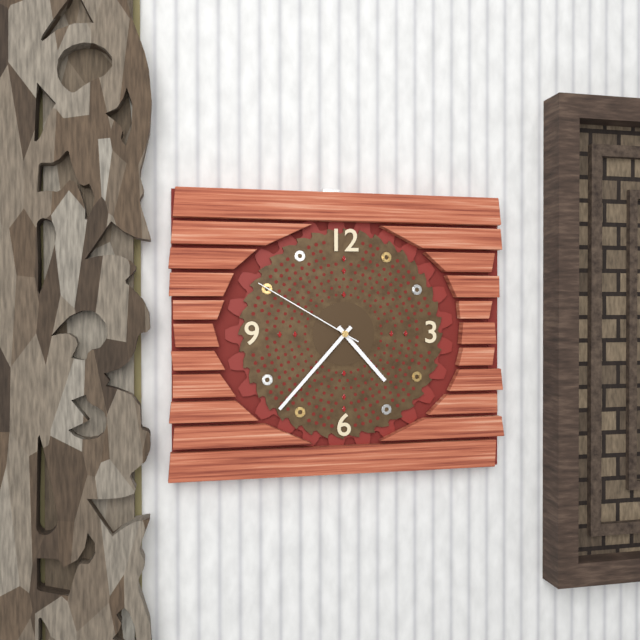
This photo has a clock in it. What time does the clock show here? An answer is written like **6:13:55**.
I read **4:37:50**
